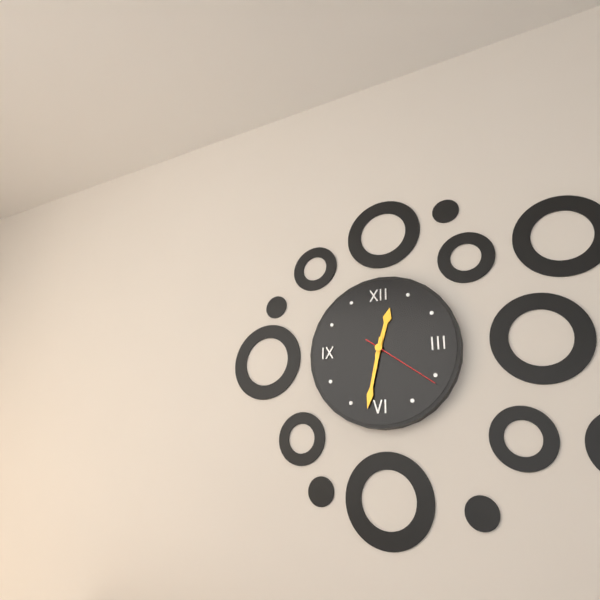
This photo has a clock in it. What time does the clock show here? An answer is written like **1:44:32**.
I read **12:32:21**
